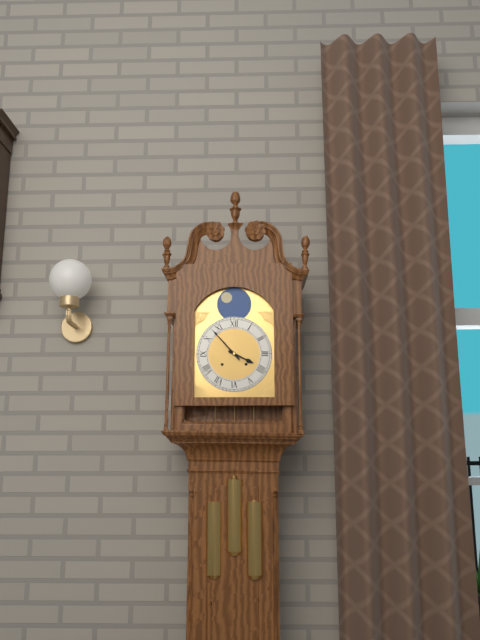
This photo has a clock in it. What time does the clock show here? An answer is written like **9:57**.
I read **3:53**
